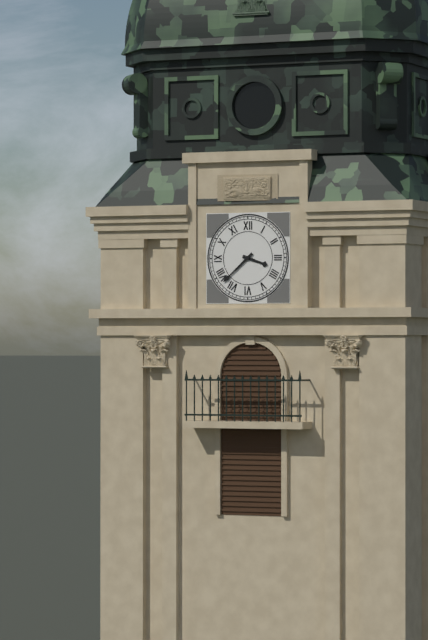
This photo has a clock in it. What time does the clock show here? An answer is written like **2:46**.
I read **3:38**
